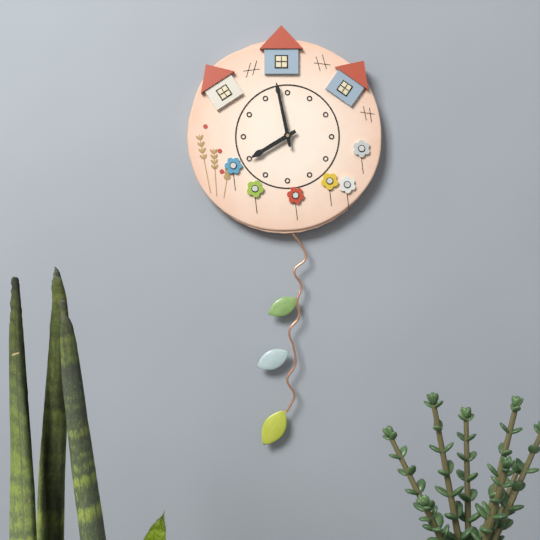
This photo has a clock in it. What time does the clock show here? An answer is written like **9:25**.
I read **7:58**
